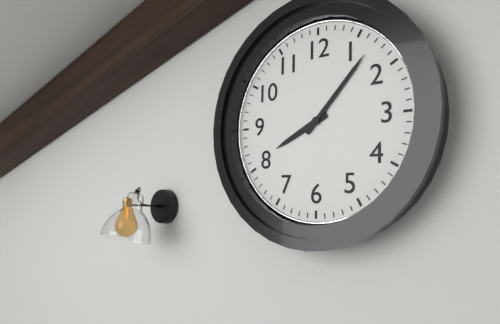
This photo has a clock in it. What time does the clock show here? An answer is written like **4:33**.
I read **8:07**
